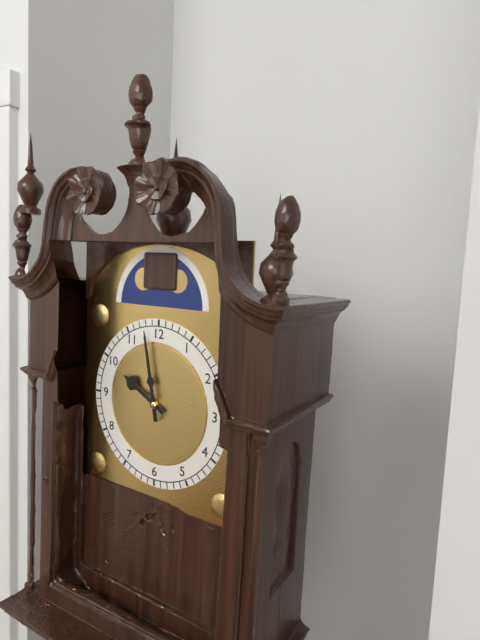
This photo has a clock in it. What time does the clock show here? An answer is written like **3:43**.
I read **9:58**
